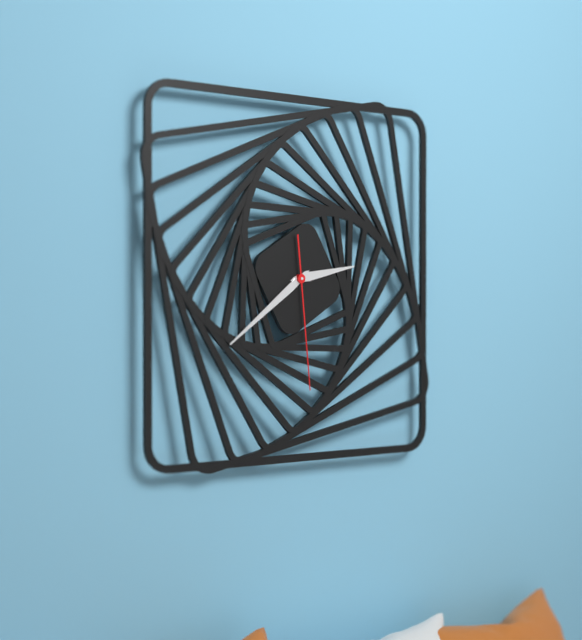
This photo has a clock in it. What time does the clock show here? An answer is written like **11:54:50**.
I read **2:39:29**
